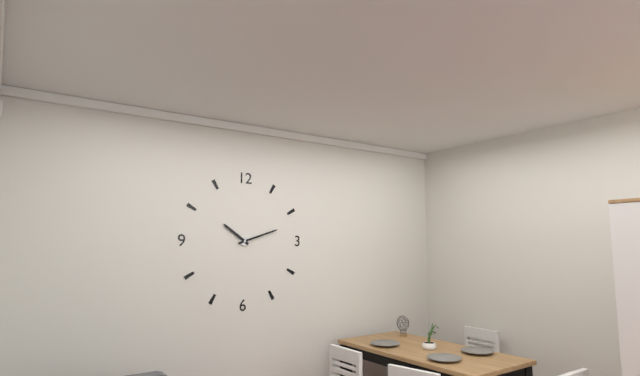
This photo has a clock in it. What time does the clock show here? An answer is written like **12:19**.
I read **10:12**
